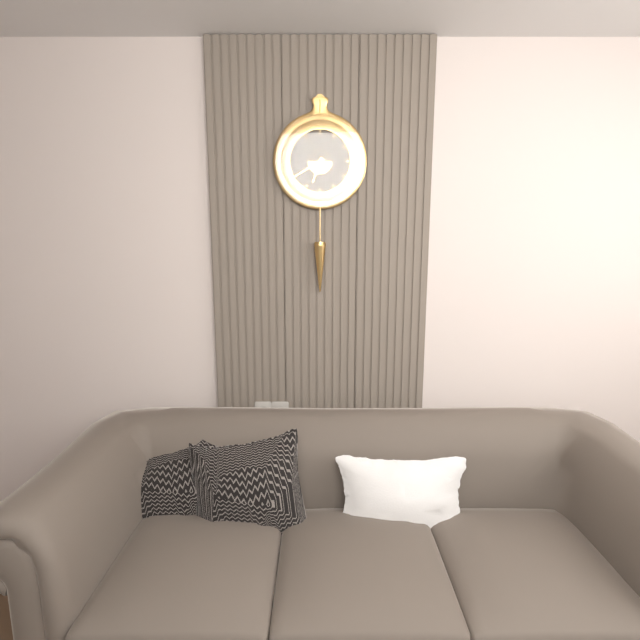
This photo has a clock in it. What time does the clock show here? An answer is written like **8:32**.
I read **6:40**
